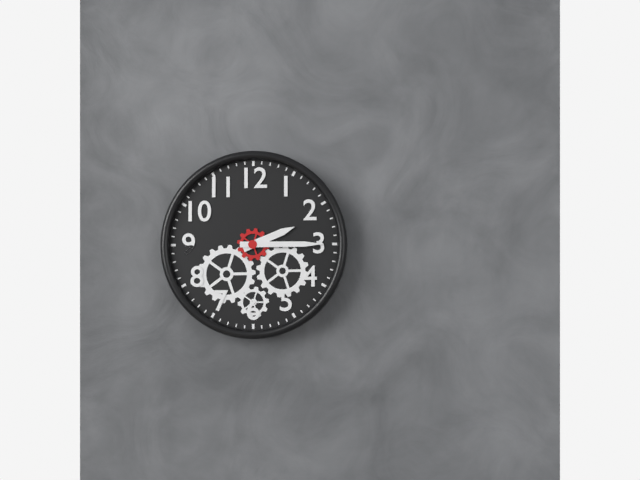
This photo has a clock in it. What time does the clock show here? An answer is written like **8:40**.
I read **2:15**
